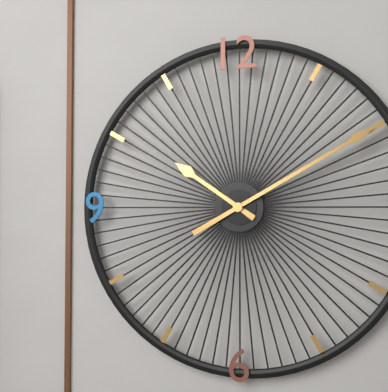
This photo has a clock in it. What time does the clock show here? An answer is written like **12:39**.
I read **10:10**
